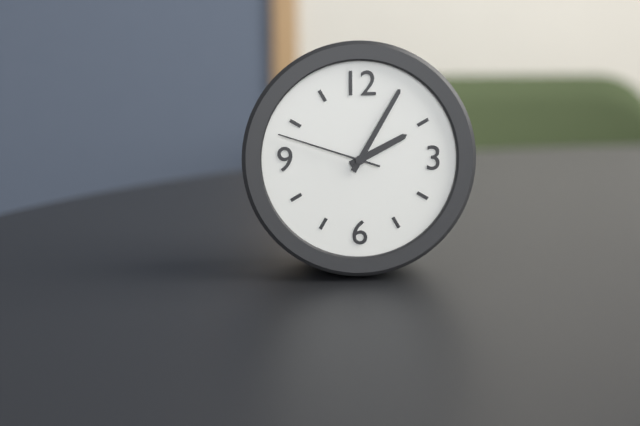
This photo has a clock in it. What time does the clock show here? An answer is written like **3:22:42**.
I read **2:05:48**
